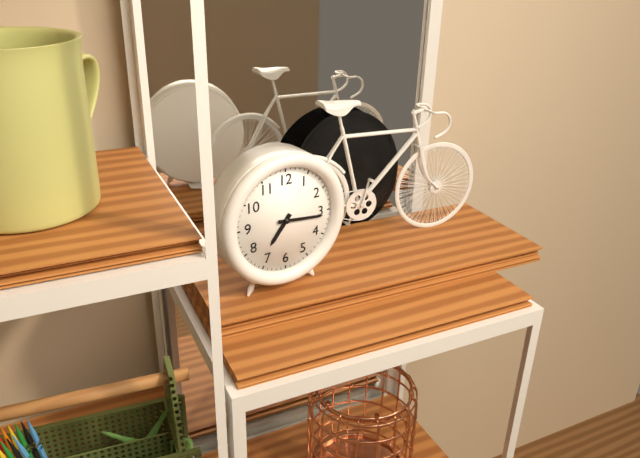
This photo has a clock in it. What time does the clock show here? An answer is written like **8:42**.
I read **7:16**
